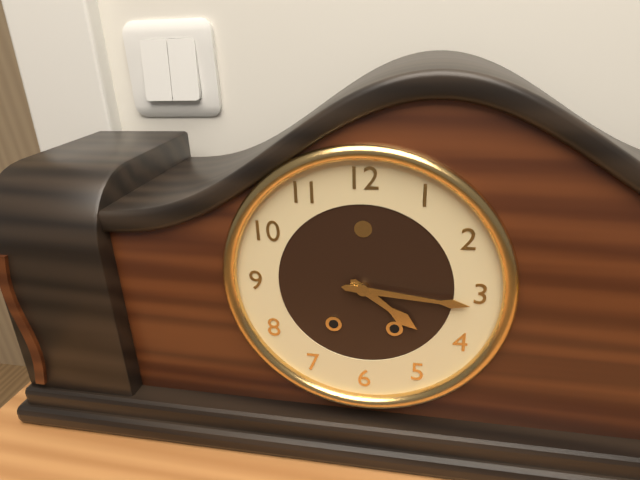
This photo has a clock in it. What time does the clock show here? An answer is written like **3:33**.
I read **4:16**
